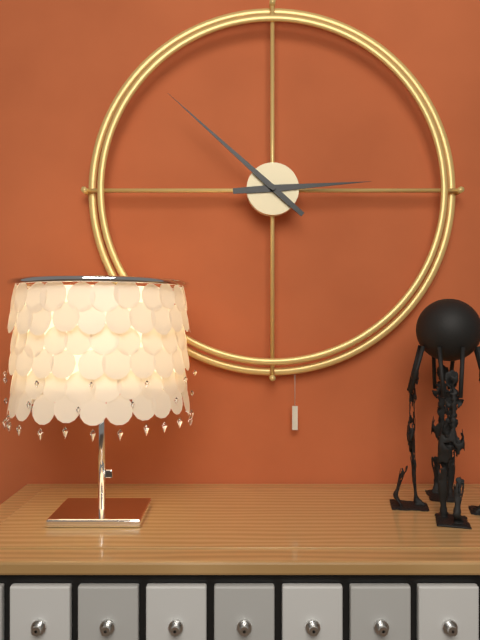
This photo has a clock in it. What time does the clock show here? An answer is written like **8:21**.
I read **2:52**
